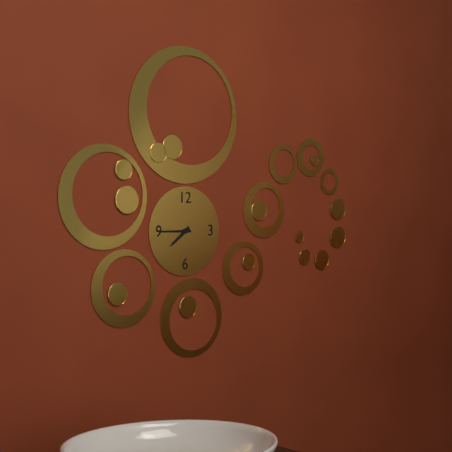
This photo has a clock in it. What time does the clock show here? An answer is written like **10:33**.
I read **7:45**
